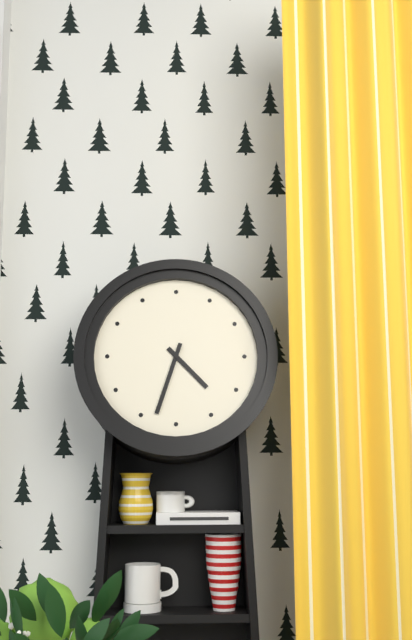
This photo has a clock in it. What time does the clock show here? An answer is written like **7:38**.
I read **4:33**
